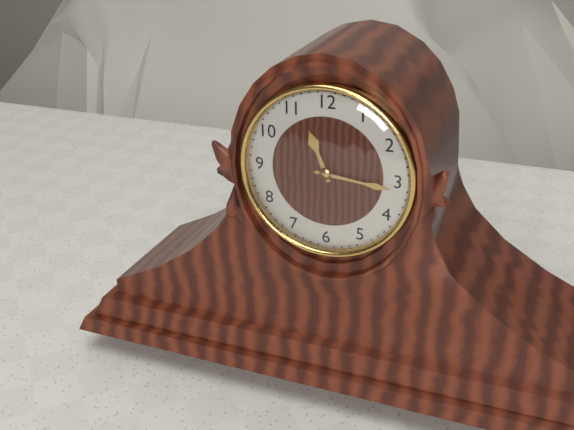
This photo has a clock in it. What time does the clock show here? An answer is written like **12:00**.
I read **11:16**
